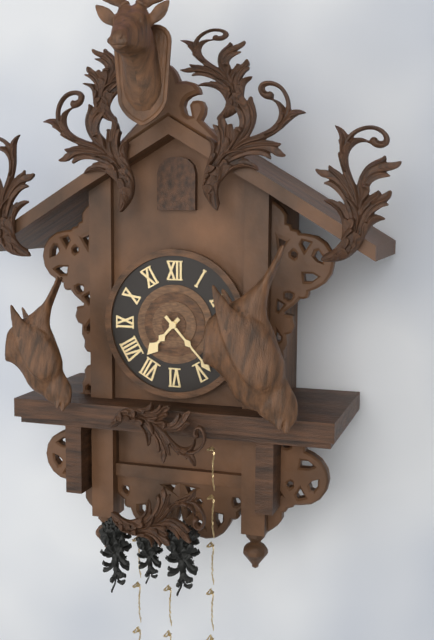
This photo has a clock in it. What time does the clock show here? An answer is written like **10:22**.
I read **7:23**
